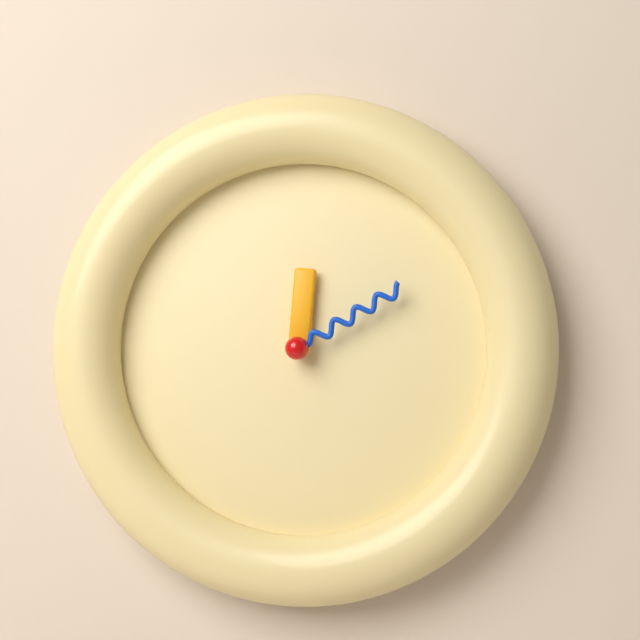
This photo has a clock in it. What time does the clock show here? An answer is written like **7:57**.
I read **12:10**
